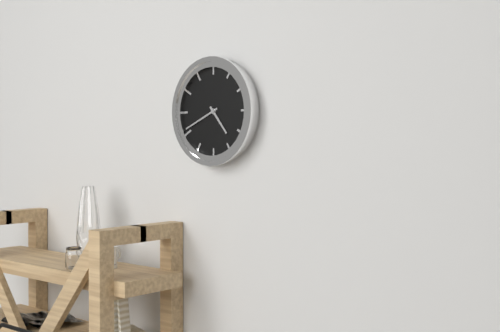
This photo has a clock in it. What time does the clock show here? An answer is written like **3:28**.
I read **4:41**
